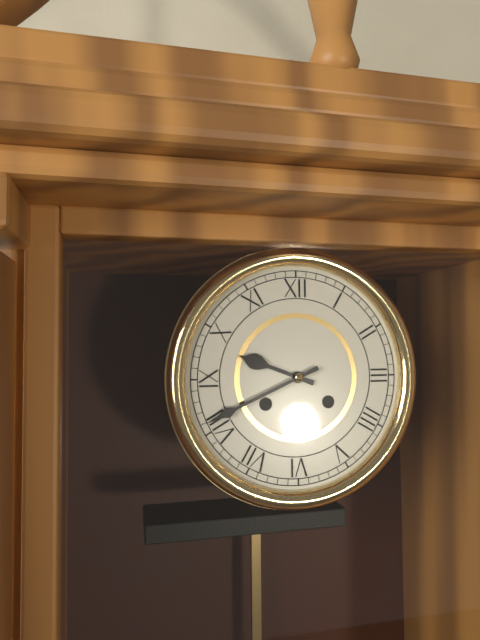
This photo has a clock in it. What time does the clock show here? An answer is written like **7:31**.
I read **9:41**
